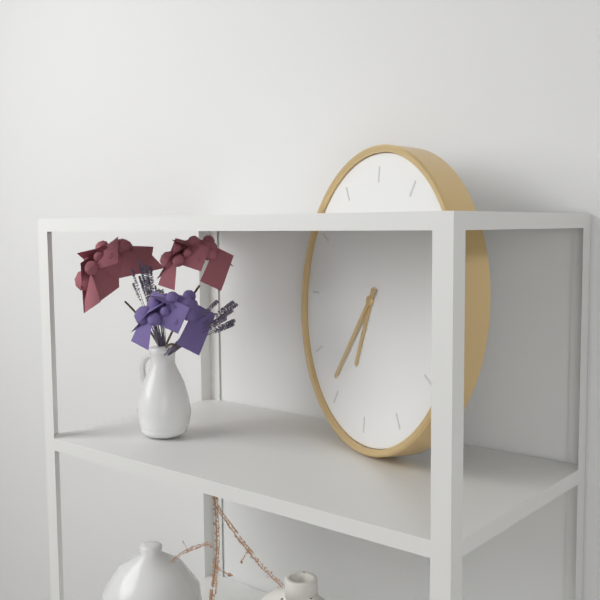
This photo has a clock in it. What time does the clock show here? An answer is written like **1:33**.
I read **6:36**
